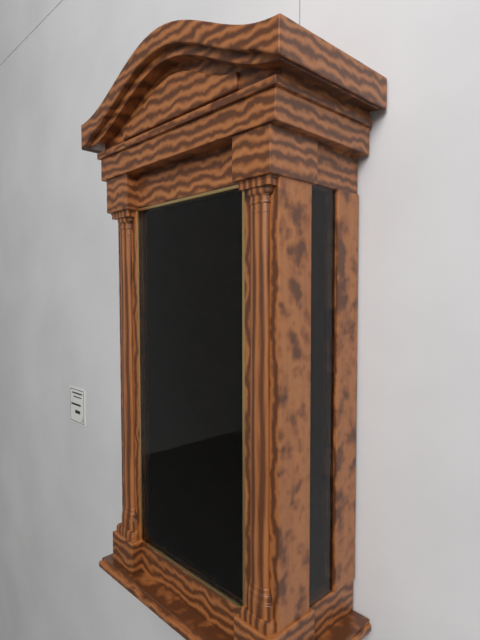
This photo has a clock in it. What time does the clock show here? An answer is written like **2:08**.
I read **7:04**
